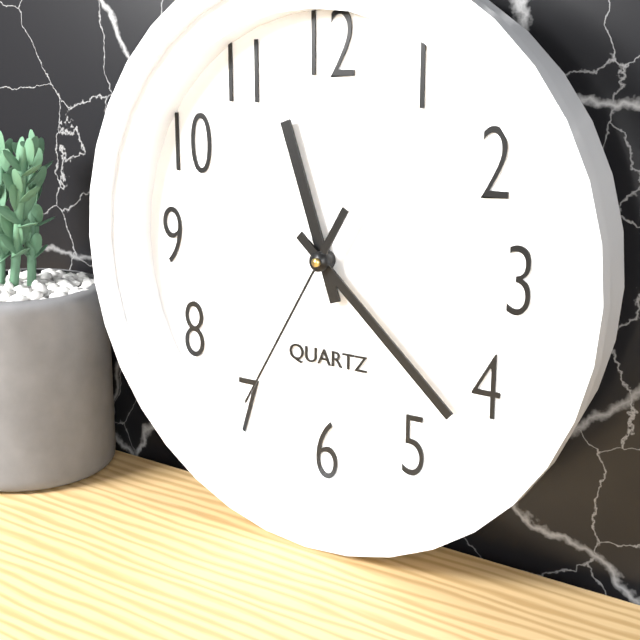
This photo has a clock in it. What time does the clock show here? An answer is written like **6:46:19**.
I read **11:22:35**
